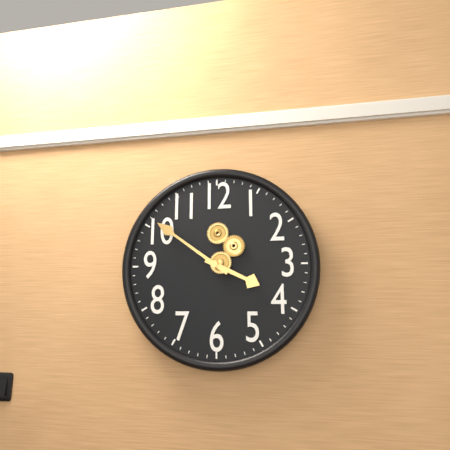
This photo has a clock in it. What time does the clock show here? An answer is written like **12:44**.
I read **3:51**
